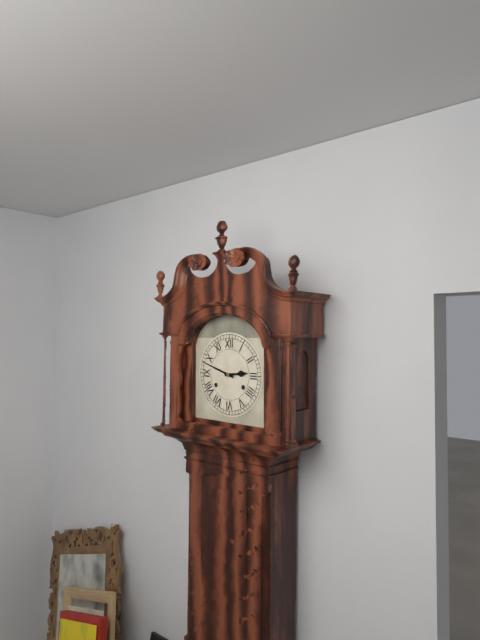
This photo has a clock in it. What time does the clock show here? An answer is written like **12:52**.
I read **2:48**
